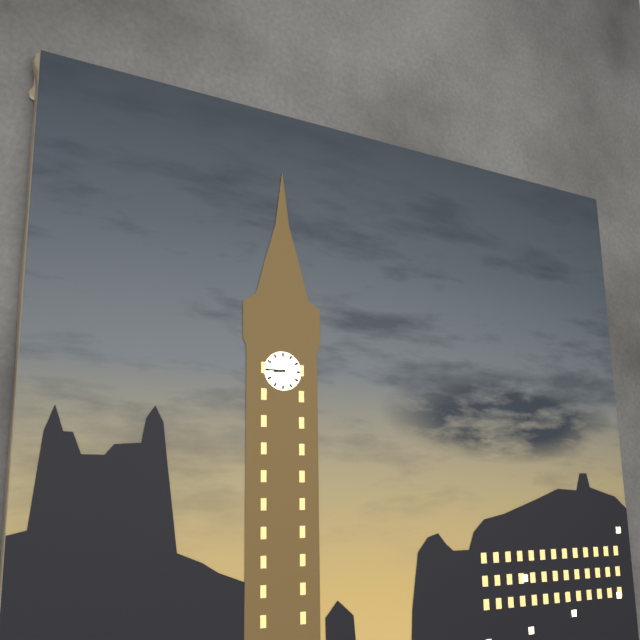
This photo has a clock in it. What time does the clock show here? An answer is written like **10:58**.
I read **8:45**
